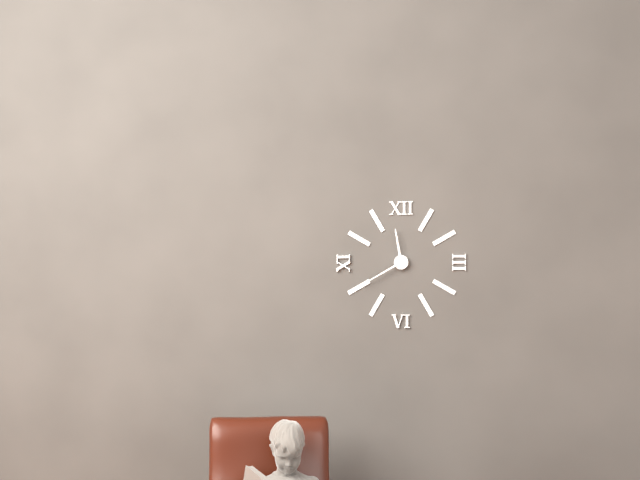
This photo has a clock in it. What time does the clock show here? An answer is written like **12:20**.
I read **11:40**
